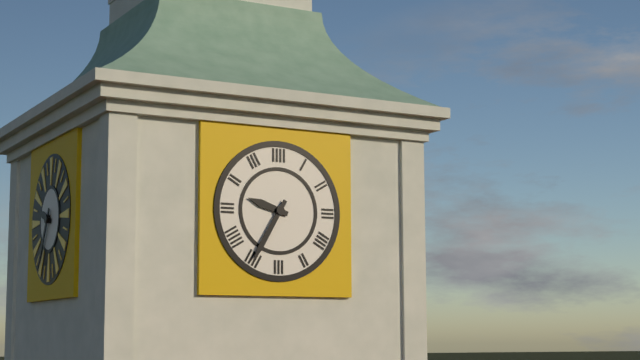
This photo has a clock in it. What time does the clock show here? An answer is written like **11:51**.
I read **9:35**
